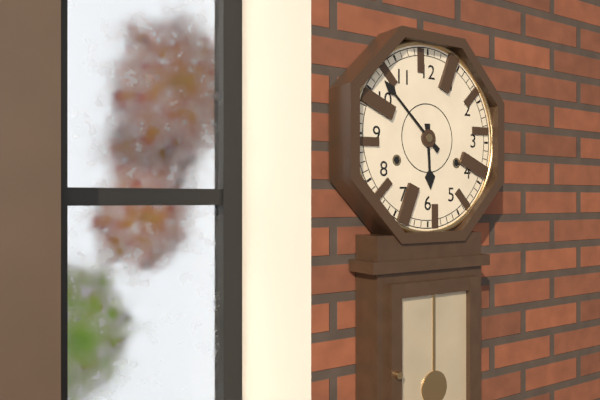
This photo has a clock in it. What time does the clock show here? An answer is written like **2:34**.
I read **5:52**
